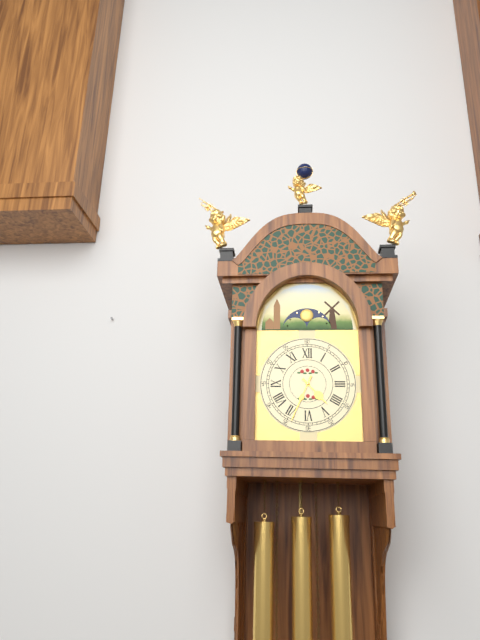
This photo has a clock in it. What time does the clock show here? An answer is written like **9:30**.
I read **4:34**
